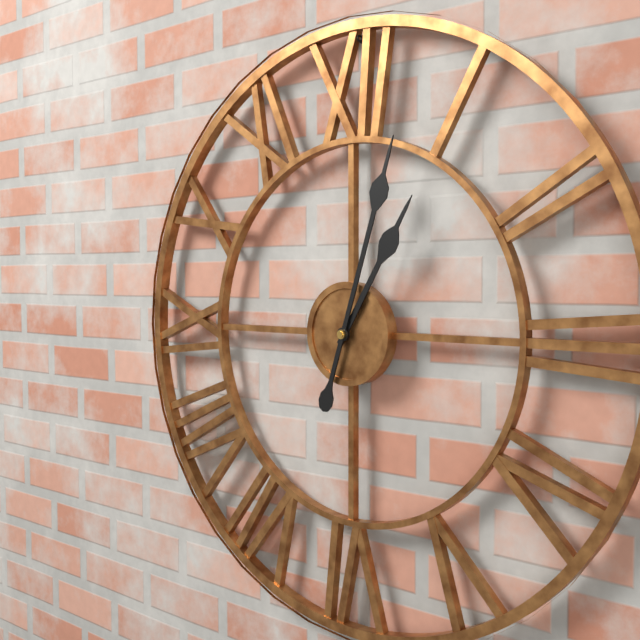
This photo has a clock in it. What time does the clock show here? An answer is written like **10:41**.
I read **1:03**
